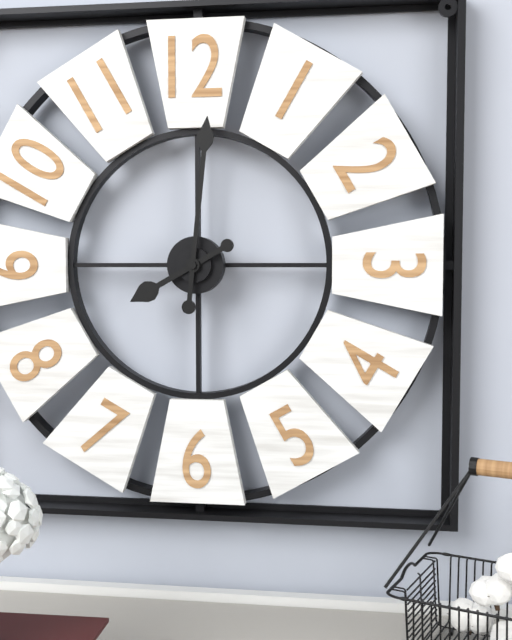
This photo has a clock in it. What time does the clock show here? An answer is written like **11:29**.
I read **8:01**
